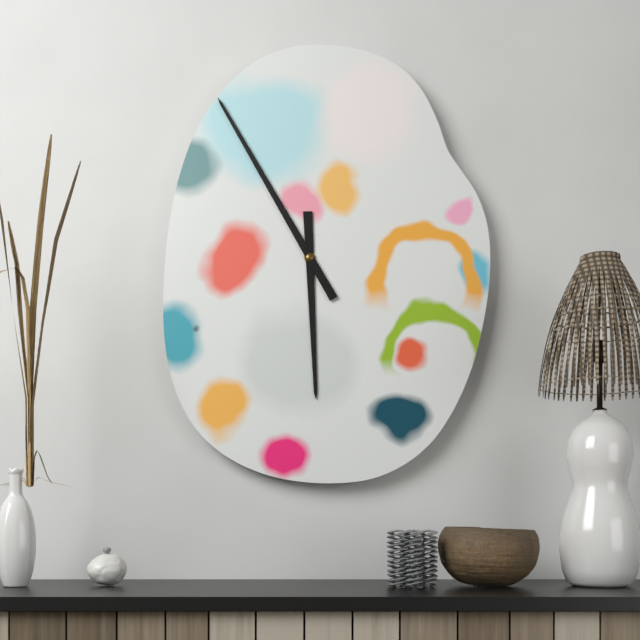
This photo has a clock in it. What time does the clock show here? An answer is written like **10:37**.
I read **5:55**
